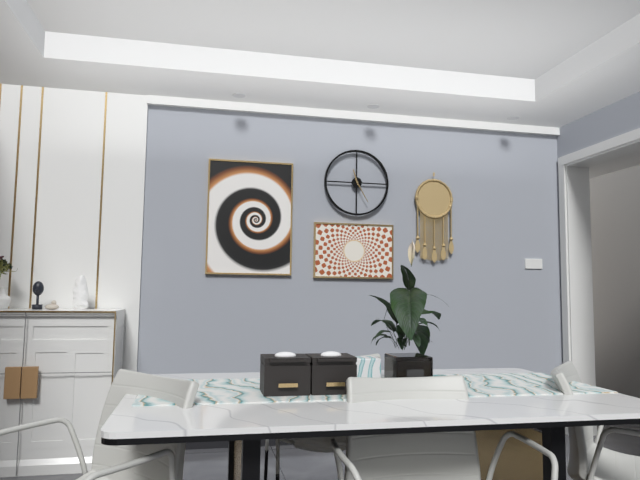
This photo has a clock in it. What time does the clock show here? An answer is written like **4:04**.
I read **11:25**
